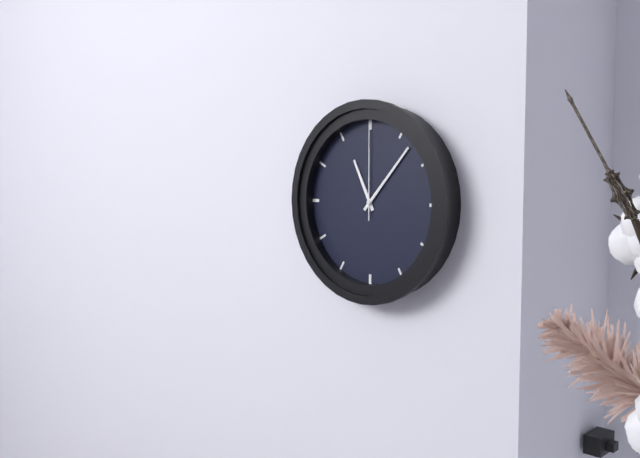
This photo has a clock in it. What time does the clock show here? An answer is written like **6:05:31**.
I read **11:07:00**
